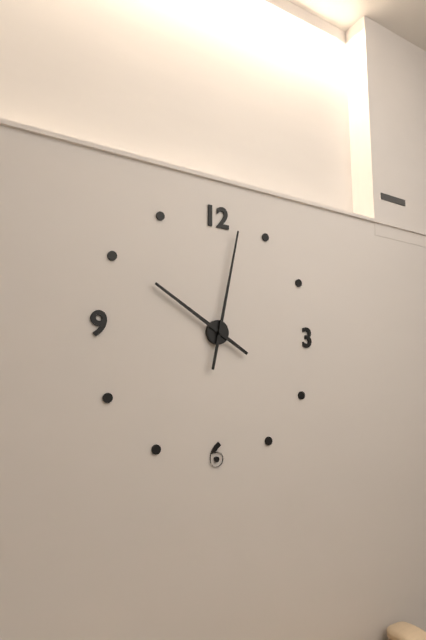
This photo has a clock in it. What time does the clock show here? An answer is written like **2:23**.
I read **10:02**
